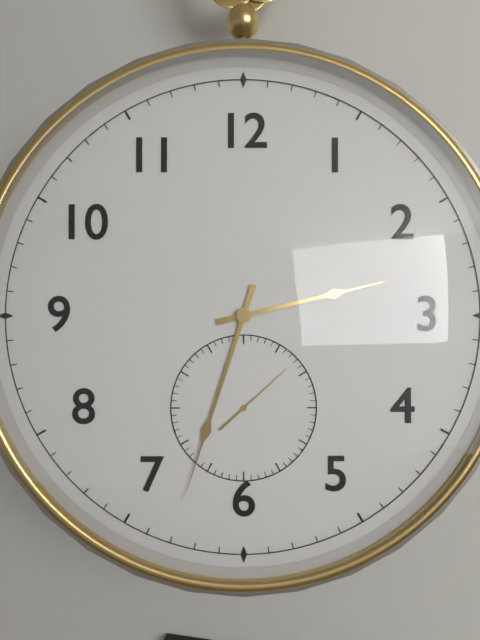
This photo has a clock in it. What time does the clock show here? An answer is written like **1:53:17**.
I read **2:33:08**
